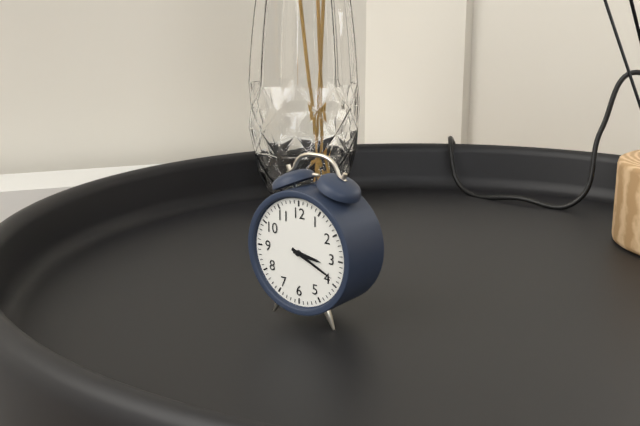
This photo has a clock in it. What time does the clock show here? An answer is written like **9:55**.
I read **3:19**
